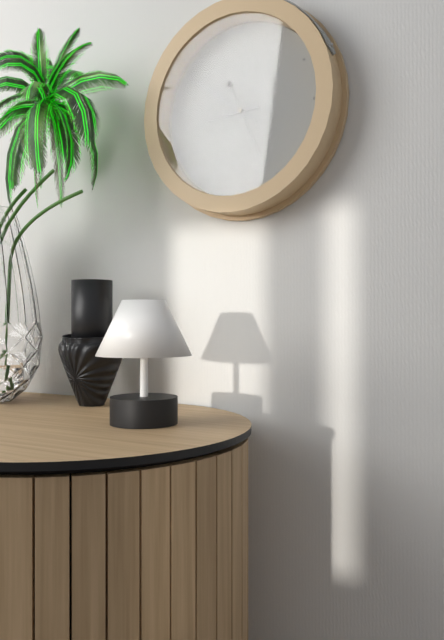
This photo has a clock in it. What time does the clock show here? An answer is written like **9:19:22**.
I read **8:51:26**
